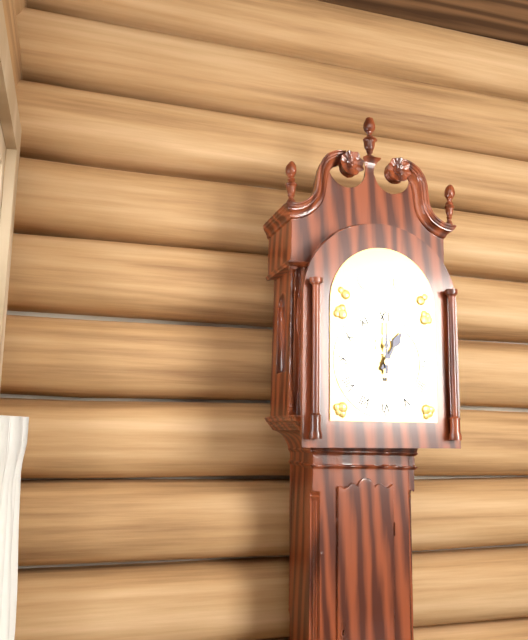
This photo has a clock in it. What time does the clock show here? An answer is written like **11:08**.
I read **1:00**
